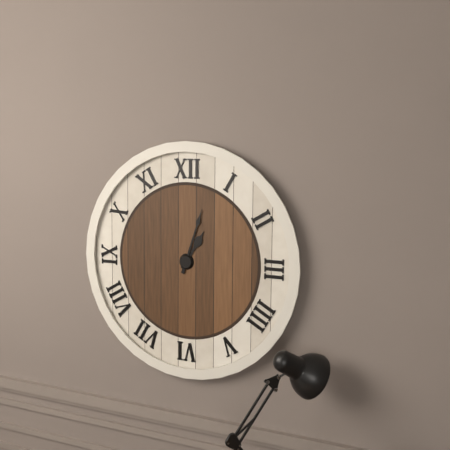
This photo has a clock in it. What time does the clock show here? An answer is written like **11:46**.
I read **1:03**
